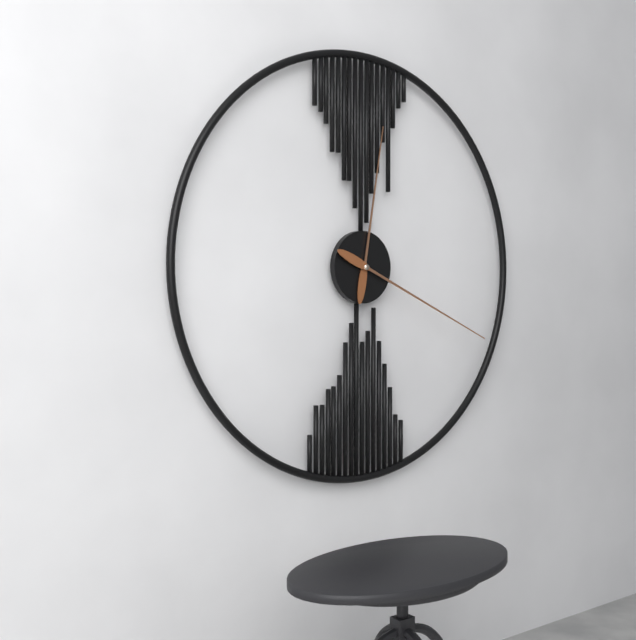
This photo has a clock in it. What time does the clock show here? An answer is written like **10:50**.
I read **12:19**
